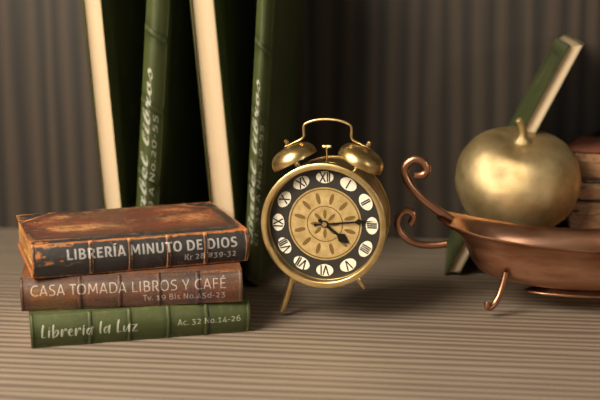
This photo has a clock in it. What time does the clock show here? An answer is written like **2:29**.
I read **4:14**
